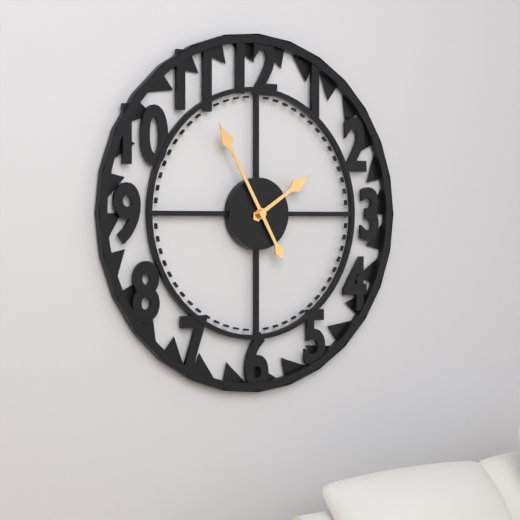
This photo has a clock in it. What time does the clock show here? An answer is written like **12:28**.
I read **1:55**
